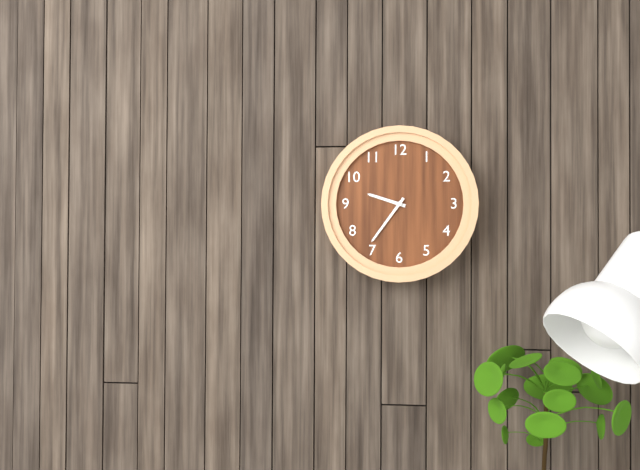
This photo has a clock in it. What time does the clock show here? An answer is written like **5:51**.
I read **9:36**
